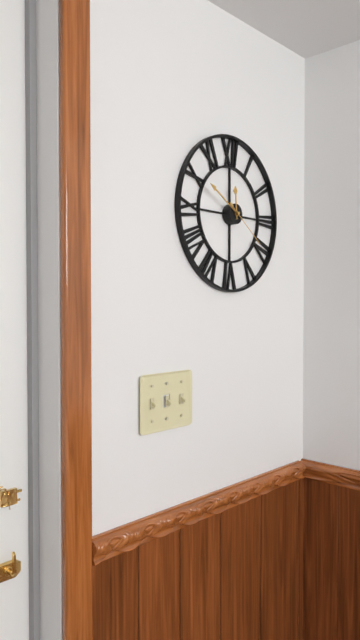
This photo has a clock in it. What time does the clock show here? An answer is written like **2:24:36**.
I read **11:50:21**
